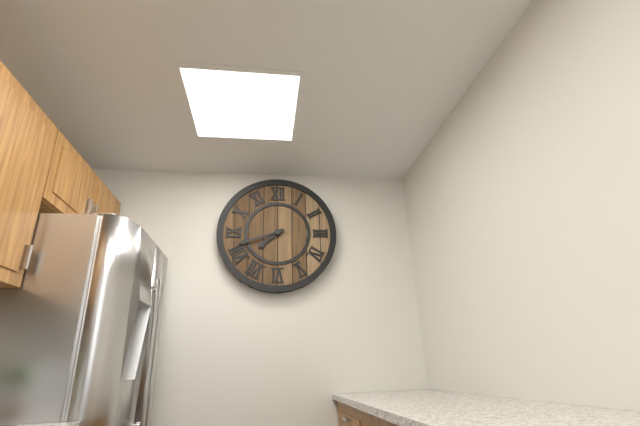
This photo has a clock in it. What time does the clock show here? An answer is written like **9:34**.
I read **7:42**
